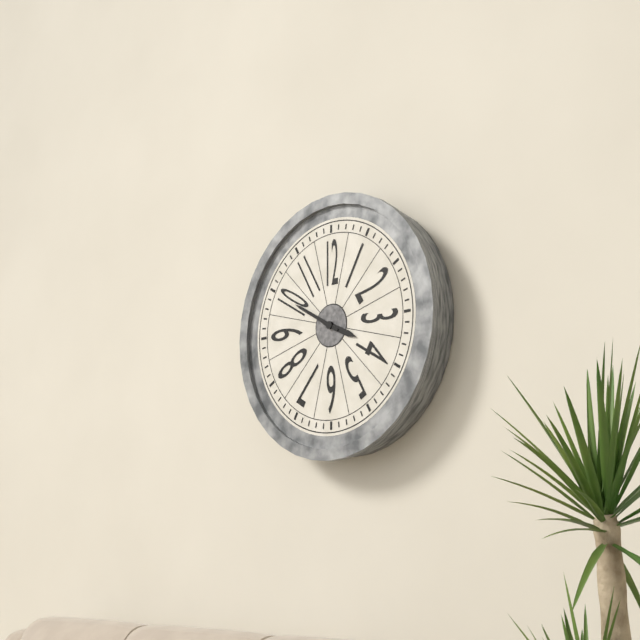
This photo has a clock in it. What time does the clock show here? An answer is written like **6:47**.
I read **3:50**
